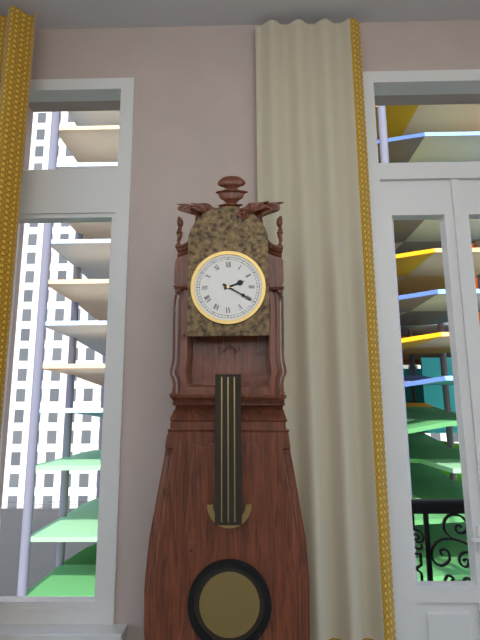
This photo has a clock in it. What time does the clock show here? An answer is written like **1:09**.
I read **2:20**
